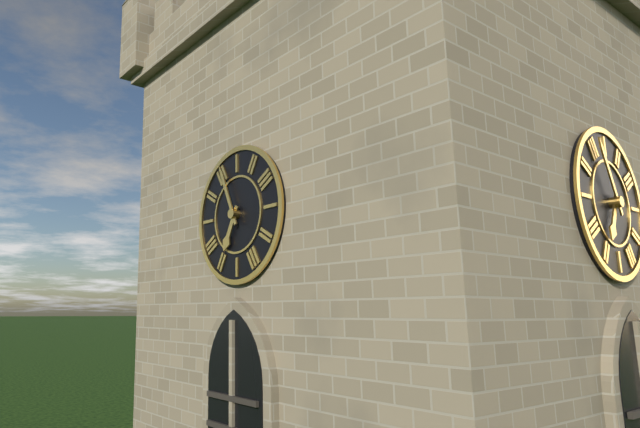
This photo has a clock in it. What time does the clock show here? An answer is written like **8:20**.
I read **6:56**
